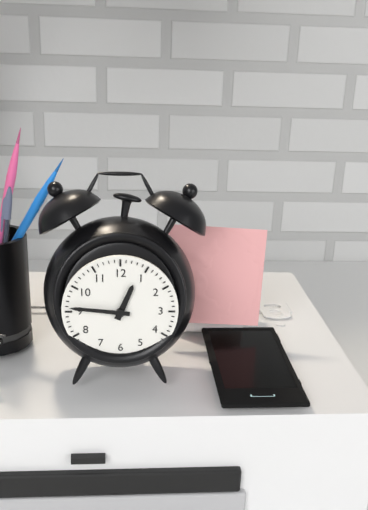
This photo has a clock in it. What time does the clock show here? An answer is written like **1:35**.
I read **12:46**
